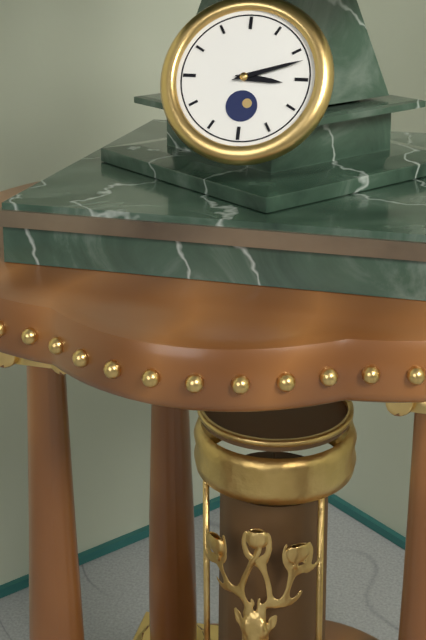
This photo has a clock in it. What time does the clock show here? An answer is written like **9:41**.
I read **3:12**
